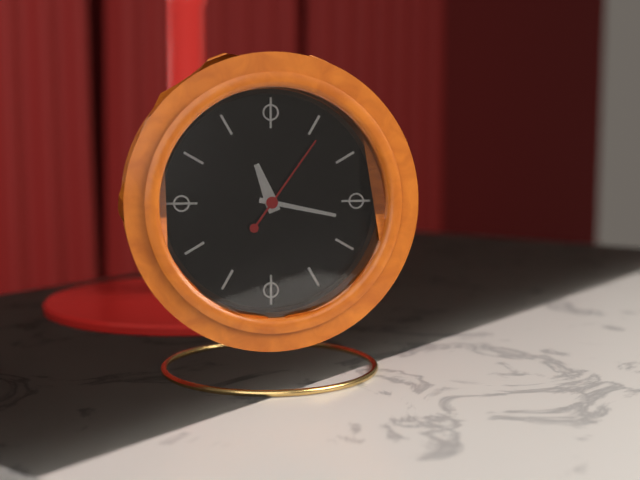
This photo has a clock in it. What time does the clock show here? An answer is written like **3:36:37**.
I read **11:17:06**
